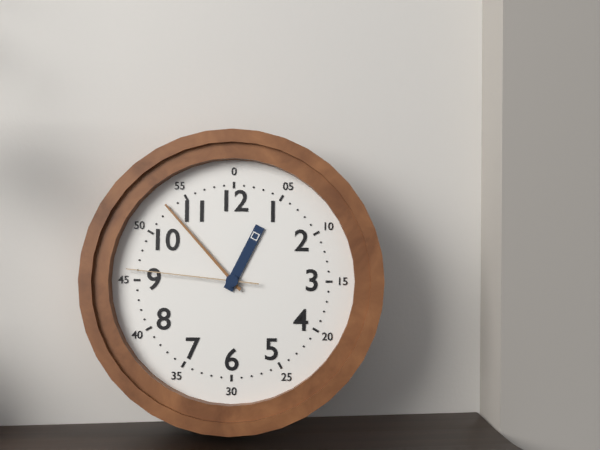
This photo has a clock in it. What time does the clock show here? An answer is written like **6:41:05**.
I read **12:53:46**
